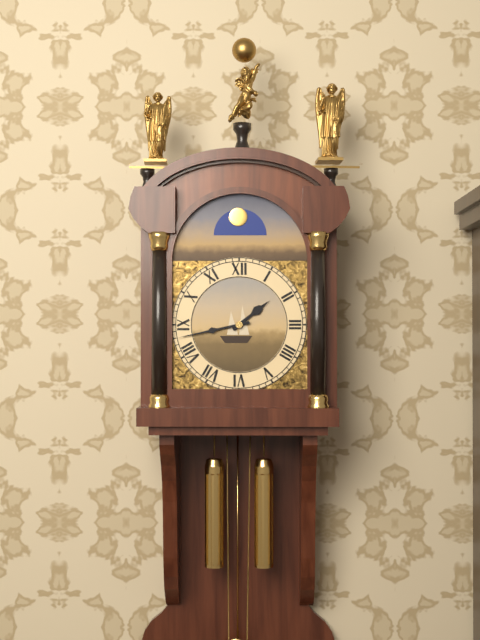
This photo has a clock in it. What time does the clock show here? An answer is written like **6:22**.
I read **1:43**
